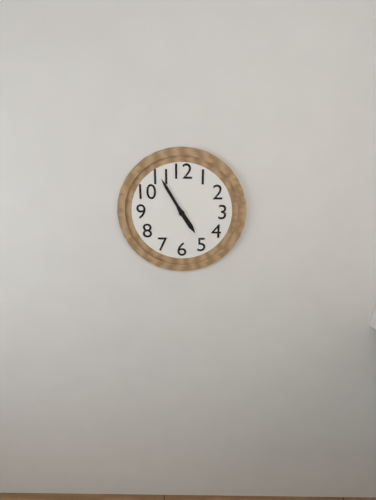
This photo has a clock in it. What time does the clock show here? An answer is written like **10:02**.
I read **4:55**
